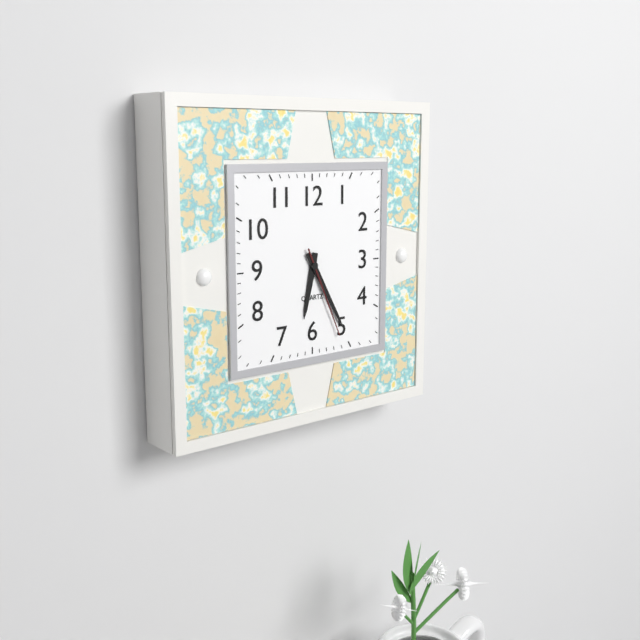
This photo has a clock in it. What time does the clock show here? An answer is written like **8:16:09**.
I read **6:25:26**
